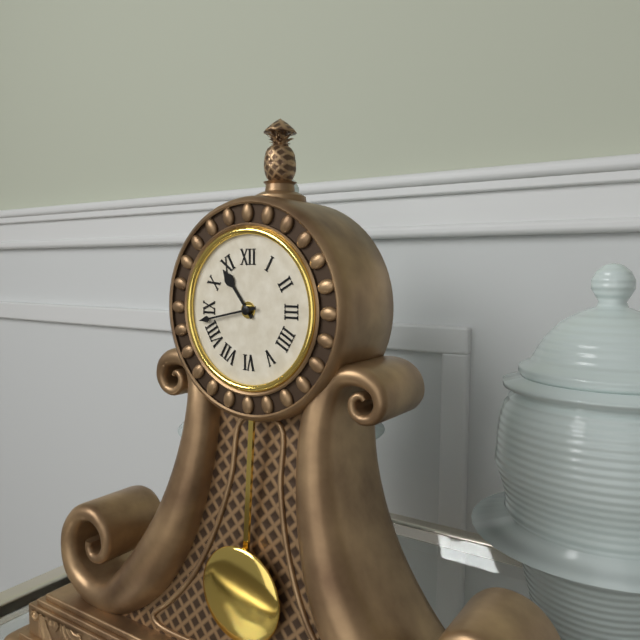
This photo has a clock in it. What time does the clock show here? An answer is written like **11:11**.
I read **10:43**
